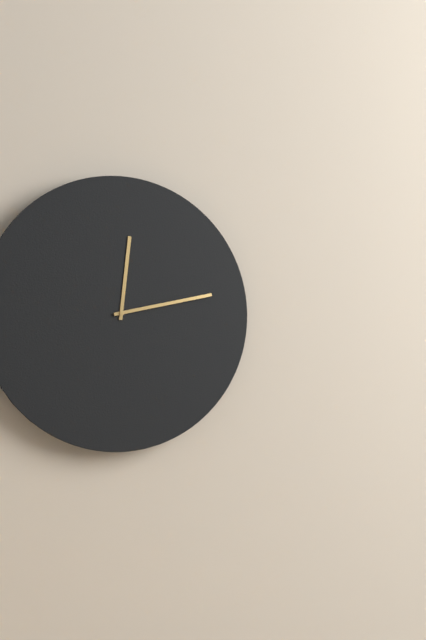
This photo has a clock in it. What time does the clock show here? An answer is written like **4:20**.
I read **12:13**
